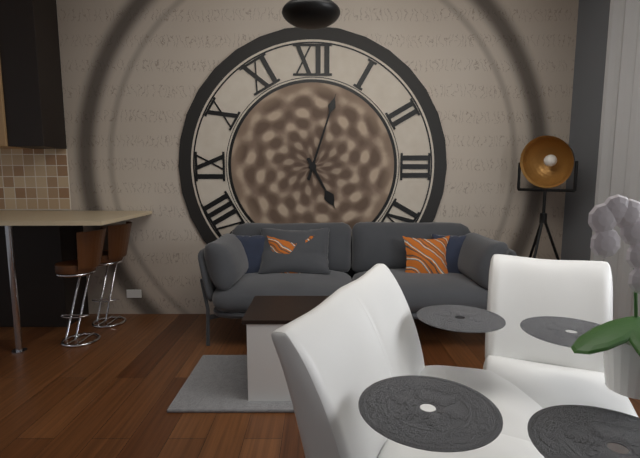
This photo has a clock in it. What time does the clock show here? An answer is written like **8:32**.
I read **5:03**
